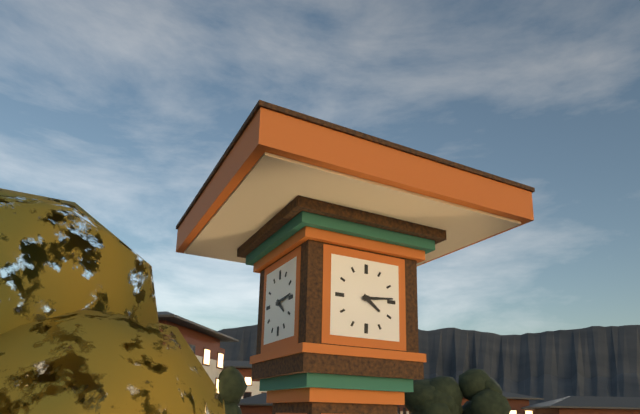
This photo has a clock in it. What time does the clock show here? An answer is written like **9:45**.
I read **4:14**
